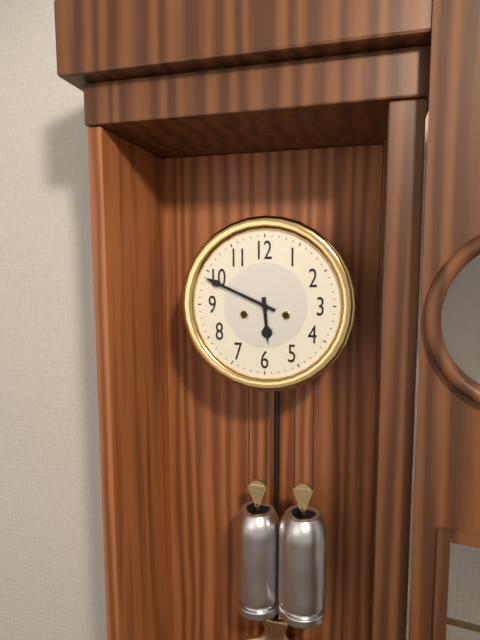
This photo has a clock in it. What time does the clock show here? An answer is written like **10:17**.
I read **5:49**
